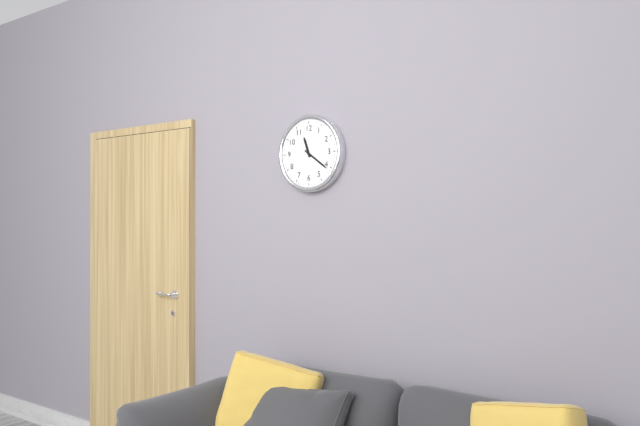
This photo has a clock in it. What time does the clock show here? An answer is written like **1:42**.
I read **11:21**
